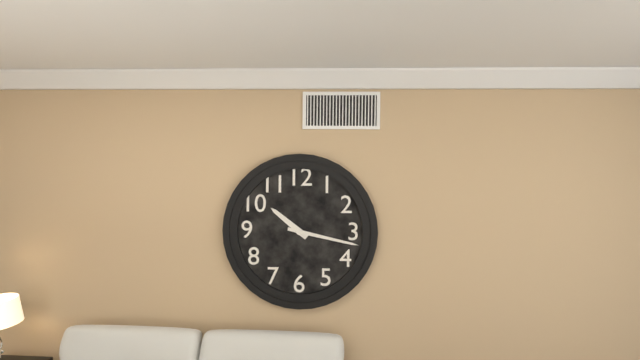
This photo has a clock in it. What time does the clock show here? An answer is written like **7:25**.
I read **10:17**
